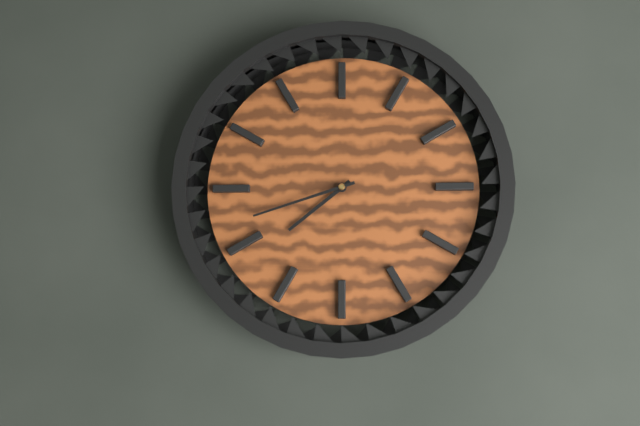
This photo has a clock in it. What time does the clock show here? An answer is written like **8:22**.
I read **7:42**
